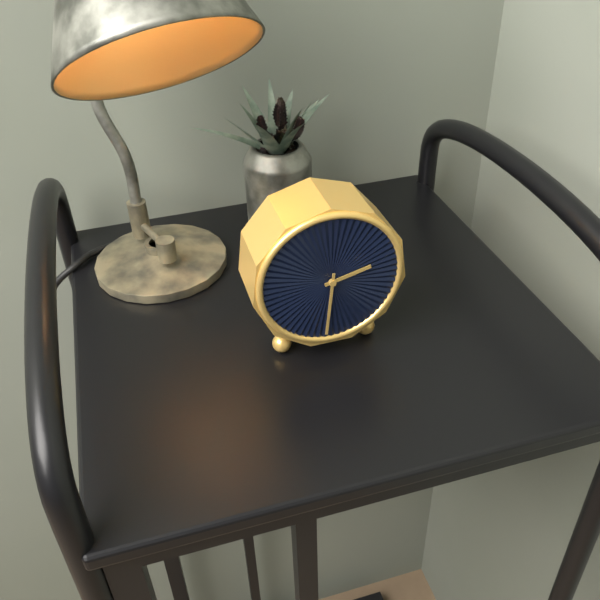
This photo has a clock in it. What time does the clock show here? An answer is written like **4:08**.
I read **2:31**
